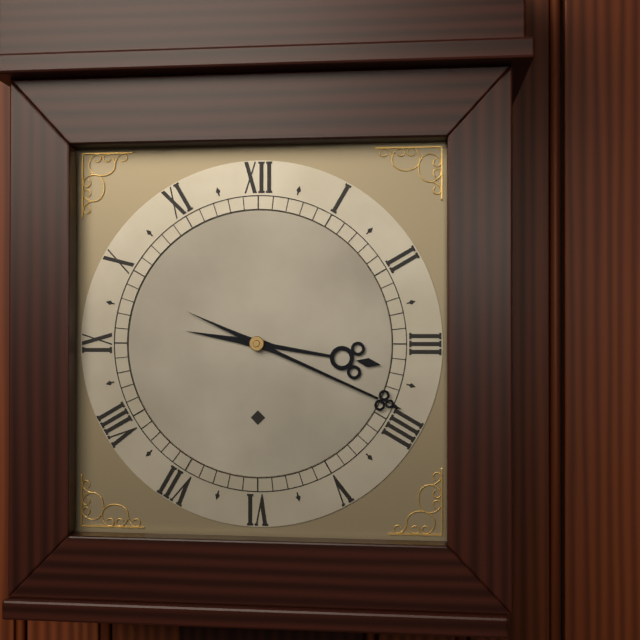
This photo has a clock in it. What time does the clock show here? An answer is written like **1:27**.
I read **3:19**
